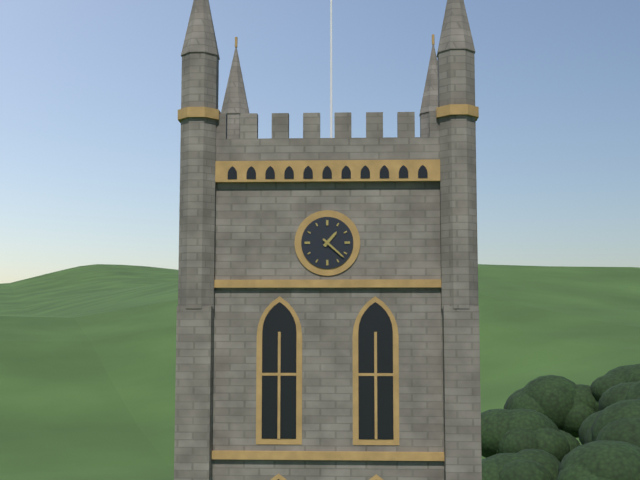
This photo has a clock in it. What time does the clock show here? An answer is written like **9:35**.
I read **1:22**
